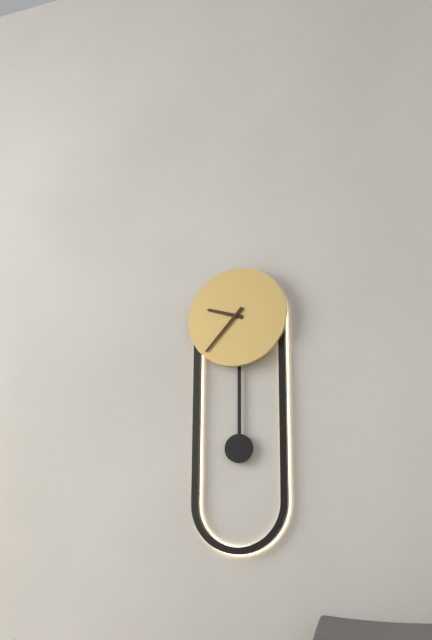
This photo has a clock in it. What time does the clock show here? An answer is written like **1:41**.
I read **9:37**
